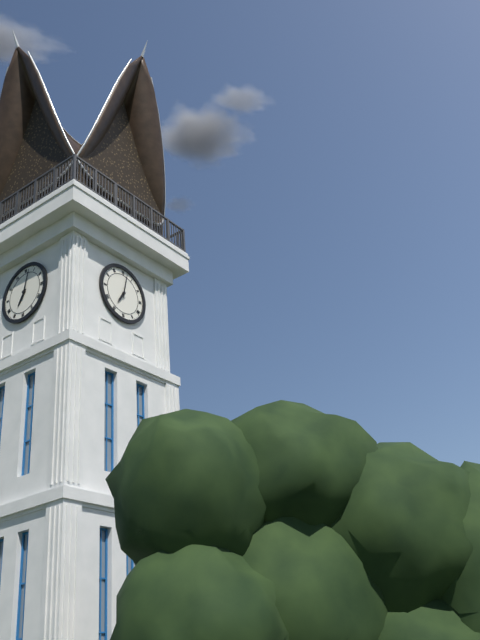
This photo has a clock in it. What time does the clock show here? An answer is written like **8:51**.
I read **7:02**
